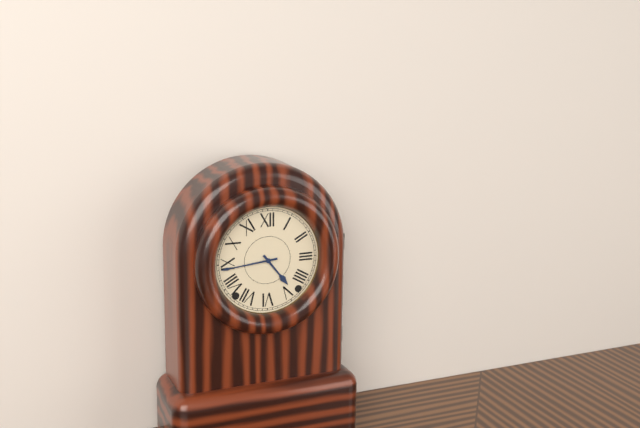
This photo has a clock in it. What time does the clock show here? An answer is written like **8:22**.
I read **4:44**
